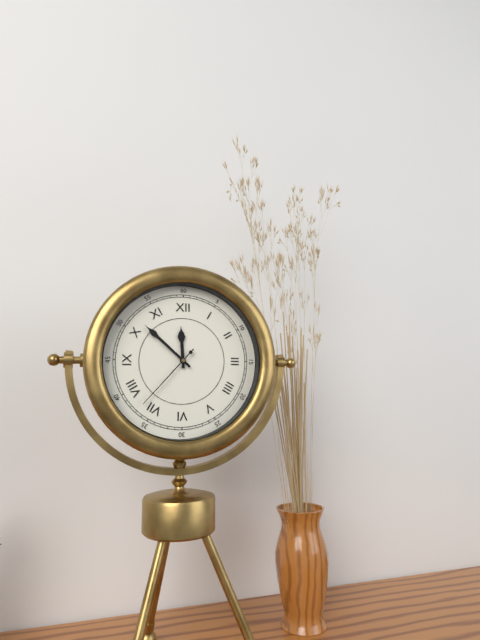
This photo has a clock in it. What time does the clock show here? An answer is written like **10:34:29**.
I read **11:52:37**
